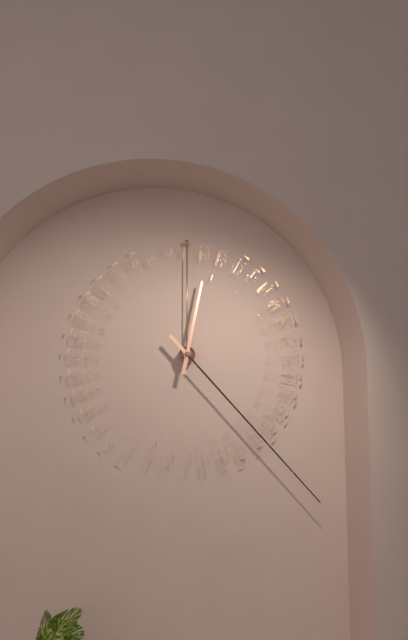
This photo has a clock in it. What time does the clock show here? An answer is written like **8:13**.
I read **12:23**
